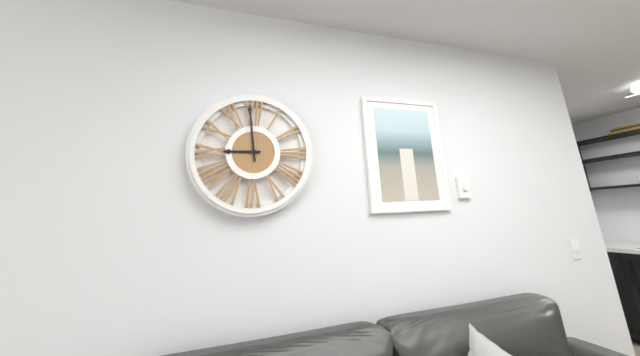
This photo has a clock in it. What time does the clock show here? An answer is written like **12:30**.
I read **8:59**
